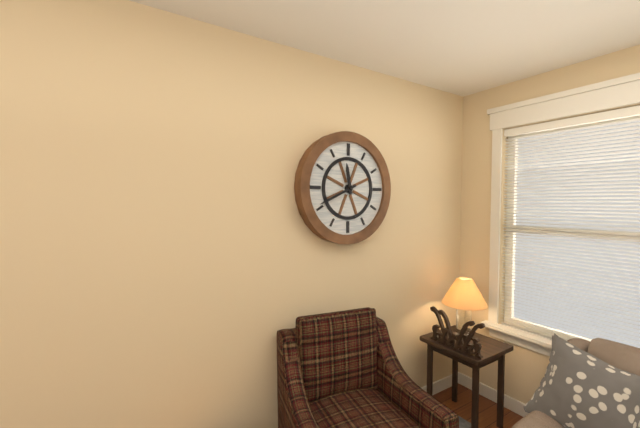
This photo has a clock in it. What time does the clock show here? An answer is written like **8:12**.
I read **11:41**
